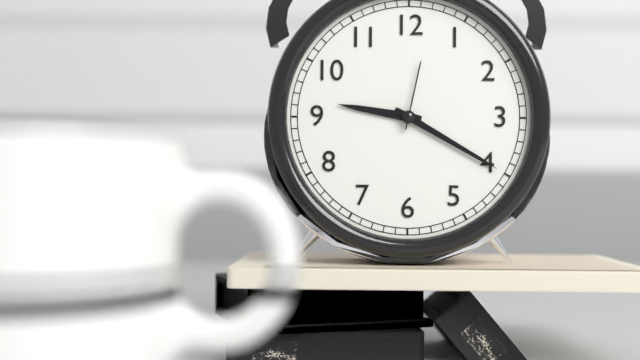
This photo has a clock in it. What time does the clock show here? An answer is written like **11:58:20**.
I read **9:20:02**
